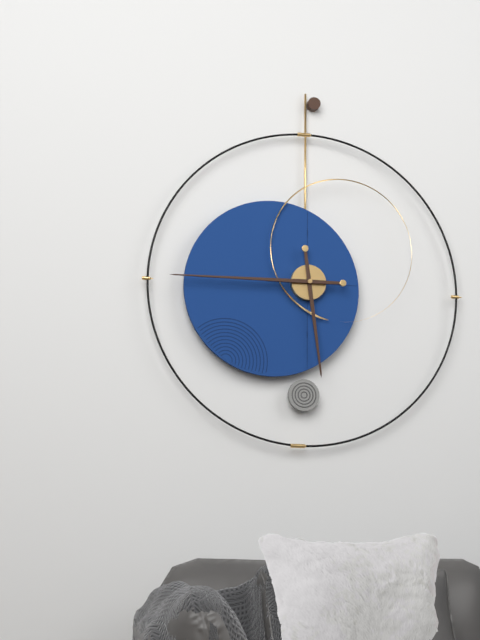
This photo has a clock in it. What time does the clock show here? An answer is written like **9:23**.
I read **5:45**
